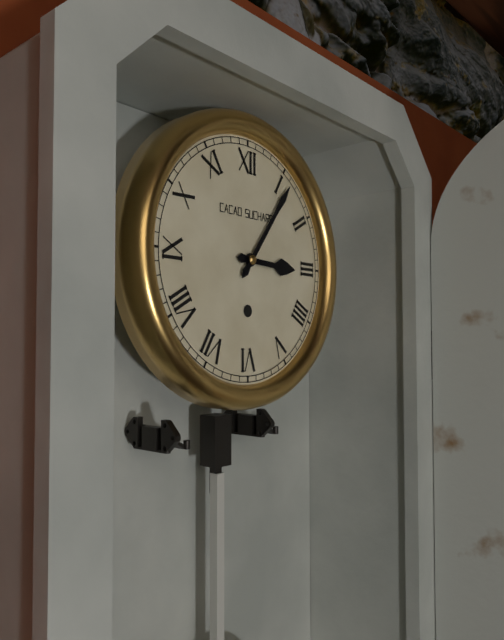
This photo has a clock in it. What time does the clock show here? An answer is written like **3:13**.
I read **3:06**
